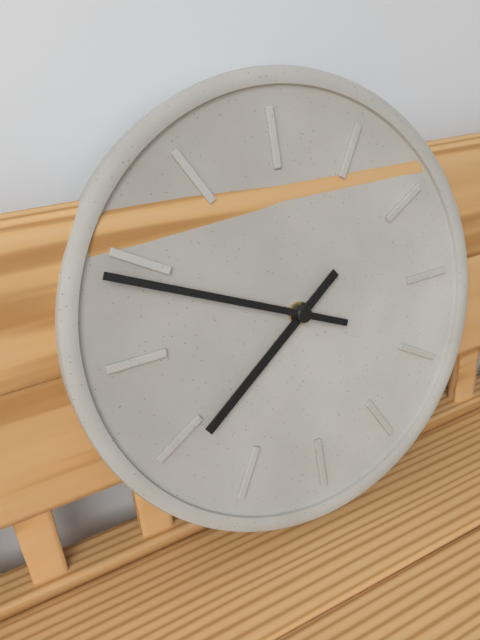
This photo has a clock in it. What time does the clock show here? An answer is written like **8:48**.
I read **7:49**
